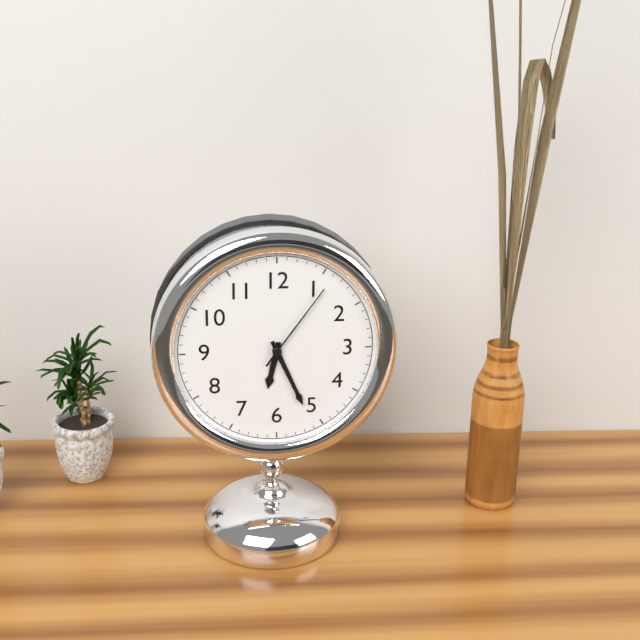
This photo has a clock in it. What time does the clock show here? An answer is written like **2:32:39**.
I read **6:26:06**
